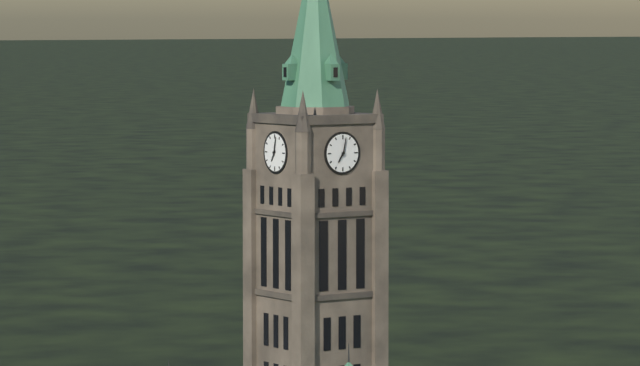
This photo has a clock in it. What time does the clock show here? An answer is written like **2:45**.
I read **7:02**
